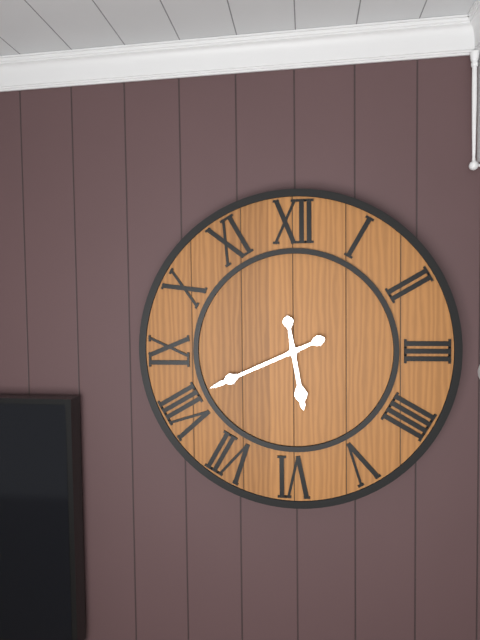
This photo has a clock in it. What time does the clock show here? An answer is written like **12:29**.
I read **5:41**
